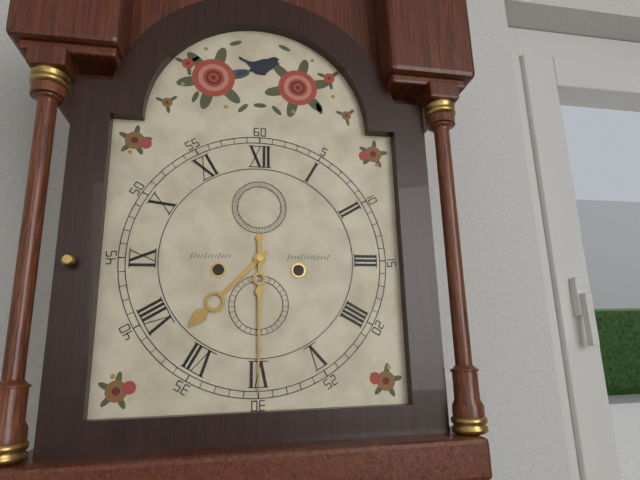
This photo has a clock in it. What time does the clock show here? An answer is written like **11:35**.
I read **7:30**
